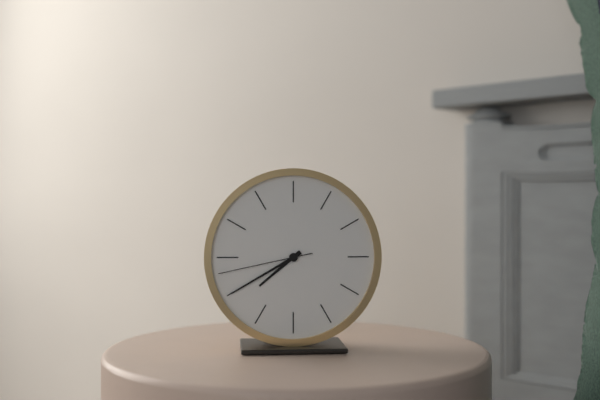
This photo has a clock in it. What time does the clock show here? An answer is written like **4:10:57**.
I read **7:40:43**
